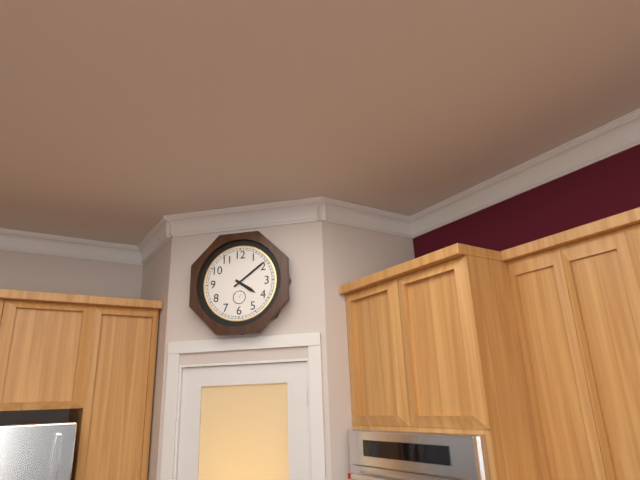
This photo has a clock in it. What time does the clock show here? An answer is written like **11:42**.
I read **4:09**
